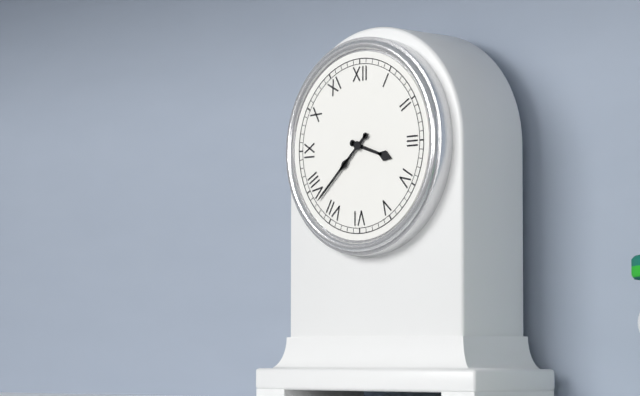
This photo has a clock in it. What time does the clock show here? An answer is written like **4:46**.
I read **3:38**
